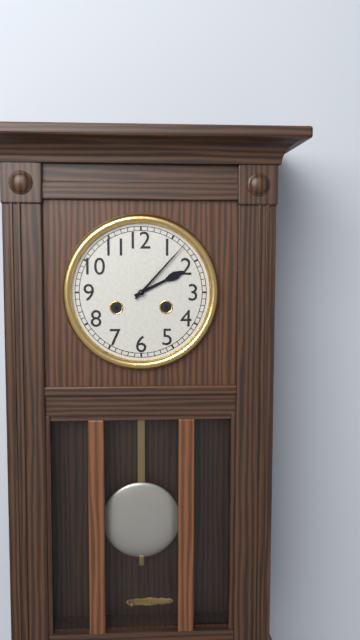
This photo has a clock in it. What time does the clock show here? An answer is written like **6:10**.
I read **2:07**
